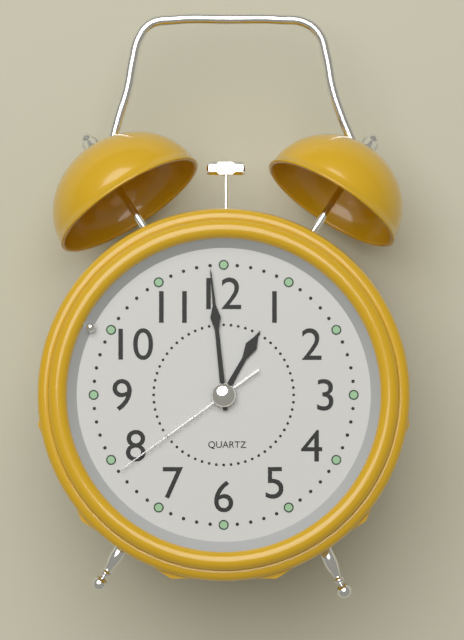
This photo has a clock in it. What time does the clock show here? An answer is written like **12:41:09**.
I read **12:59:39**
